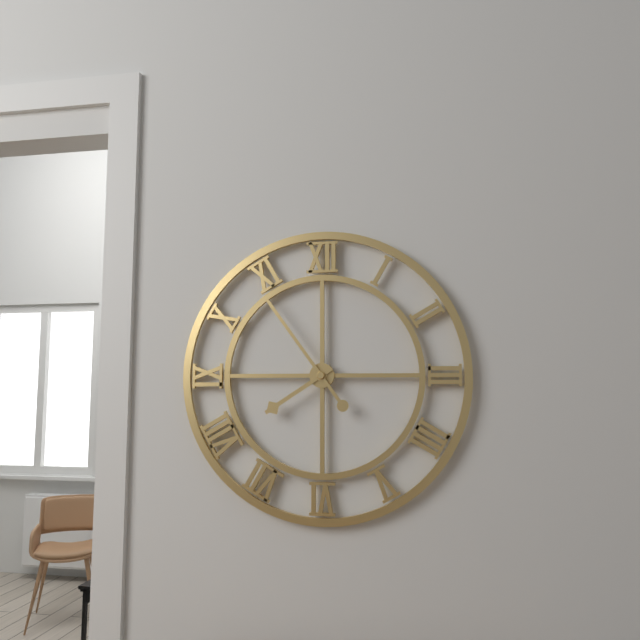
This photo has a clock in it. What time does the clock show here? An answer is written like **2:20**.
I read **7:54**
